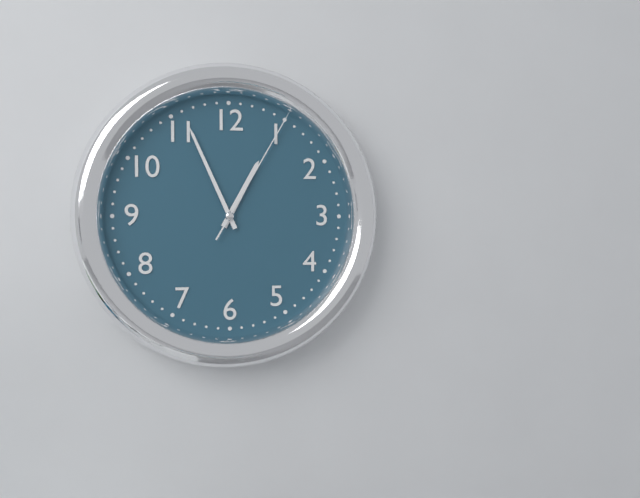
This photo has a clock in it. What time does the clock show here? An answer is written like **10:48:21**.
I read **12:56:05**
